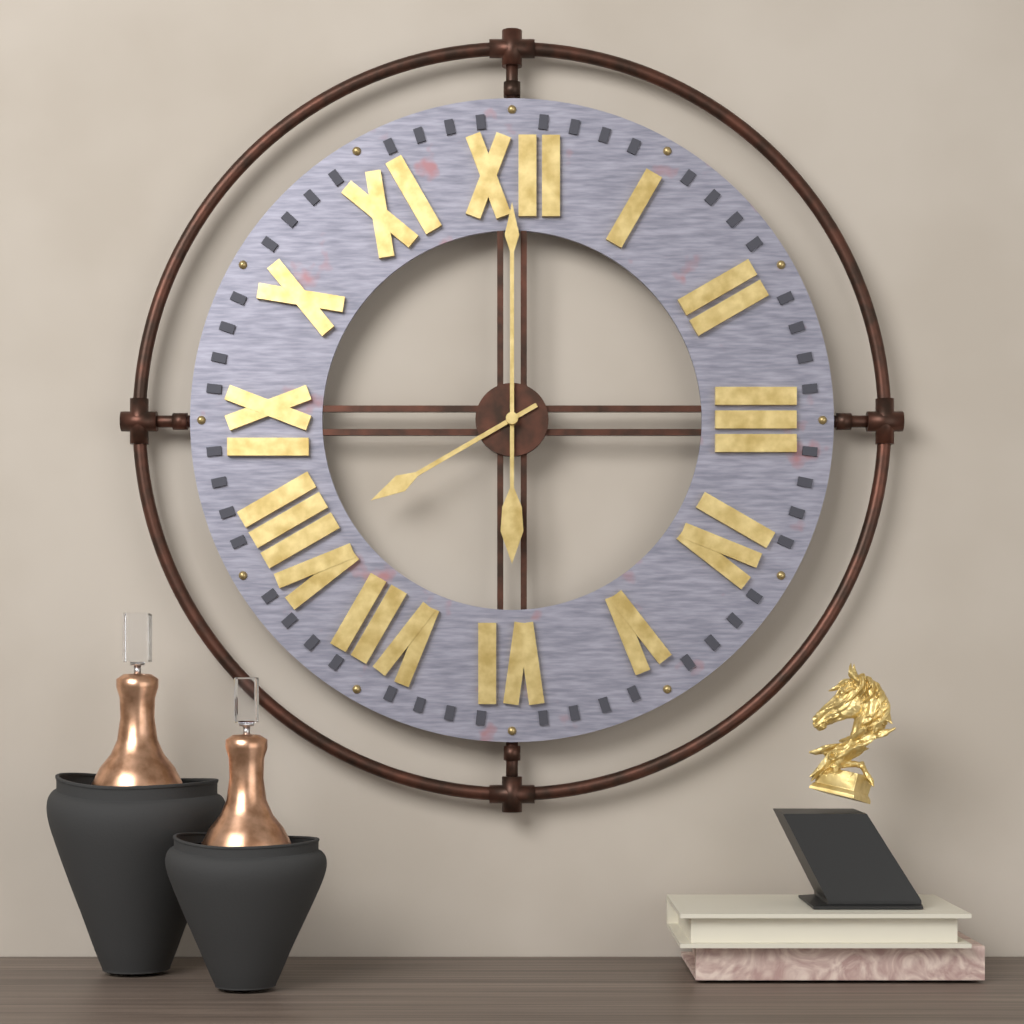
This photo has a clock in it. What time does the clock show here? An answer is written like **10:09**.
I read **8:00**
